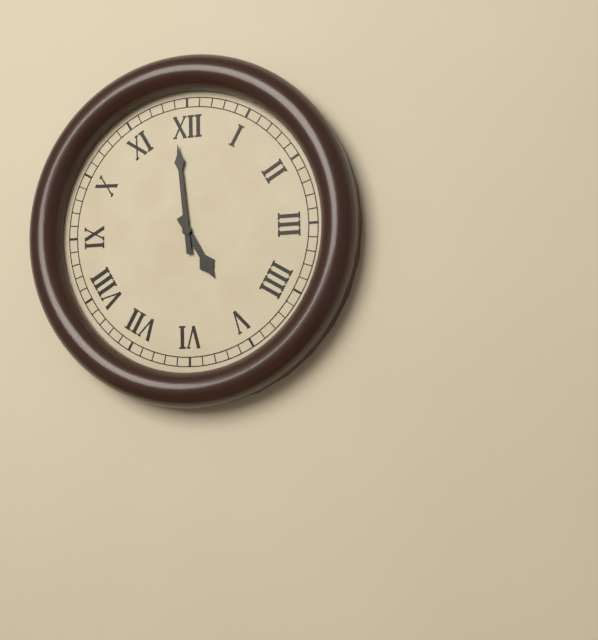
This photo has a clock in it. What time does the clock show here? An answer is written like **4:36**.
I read **4:59**
